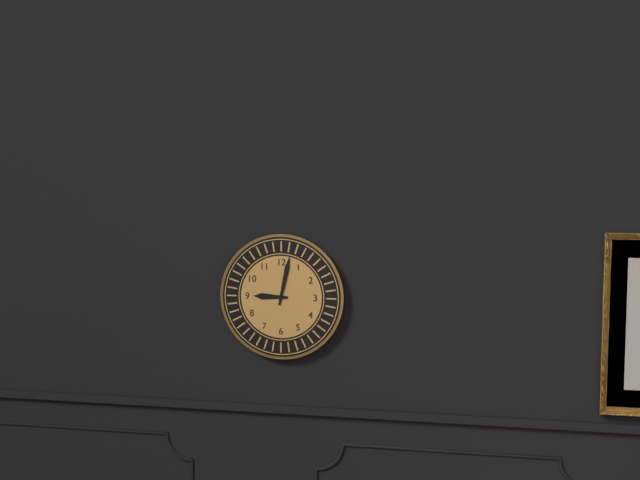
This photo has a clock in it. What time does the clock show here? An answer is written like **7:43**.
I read **9:02**
